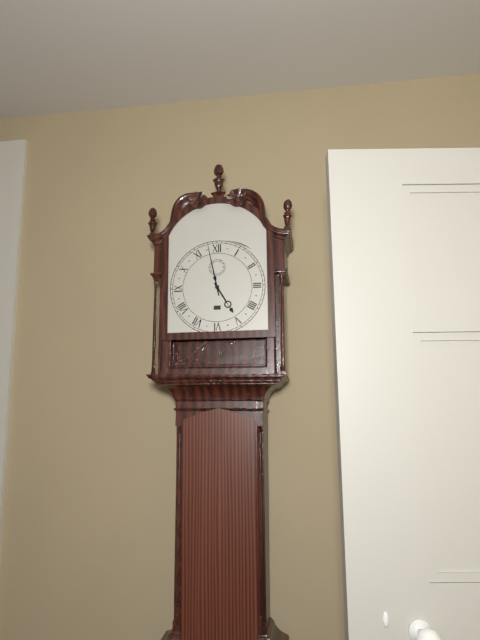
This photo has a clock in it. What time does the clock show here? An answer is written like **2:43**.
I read **4:58**
